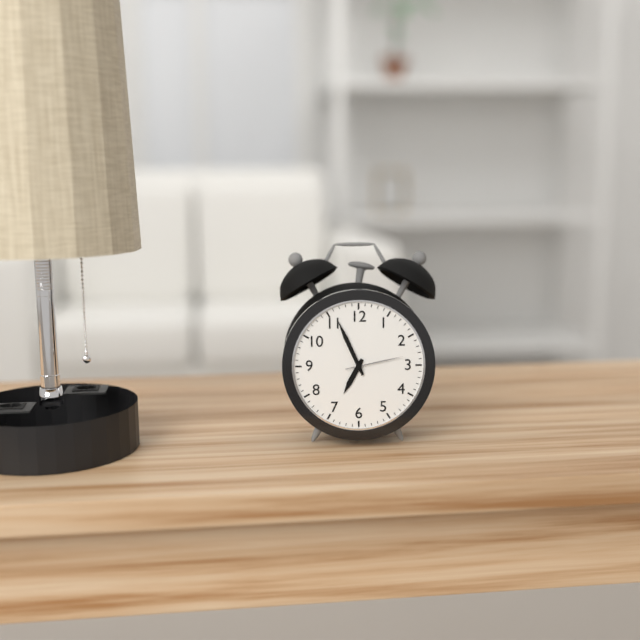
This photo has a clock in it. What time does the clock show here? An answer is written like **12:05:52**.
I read **6:56:13**
